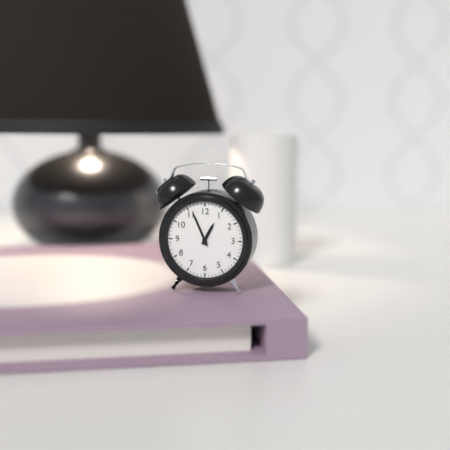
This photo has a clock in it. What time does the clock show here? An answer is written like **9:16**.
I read **12:56**
